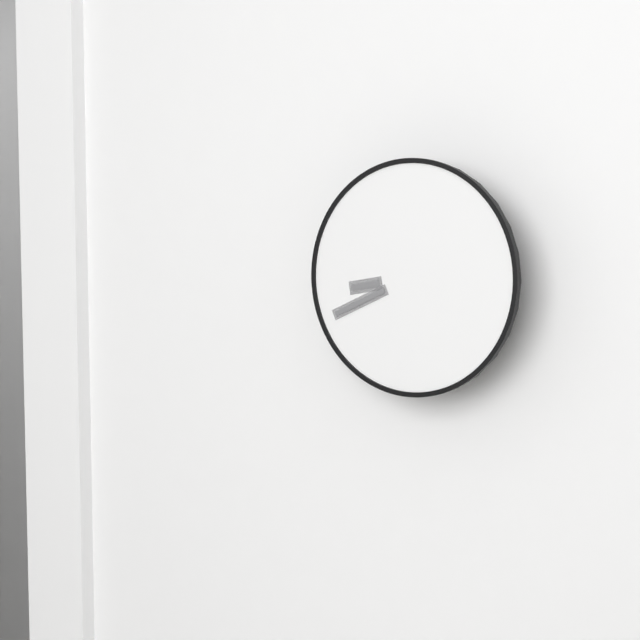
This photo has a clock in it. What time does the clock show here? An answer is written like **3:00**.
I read **8:41**
